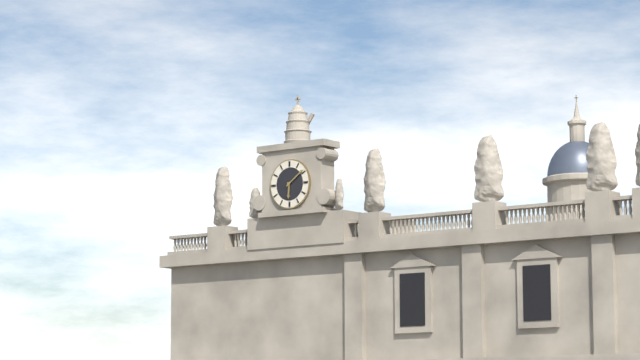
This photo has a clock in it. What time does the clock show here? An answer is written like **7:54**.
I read **6:09**
